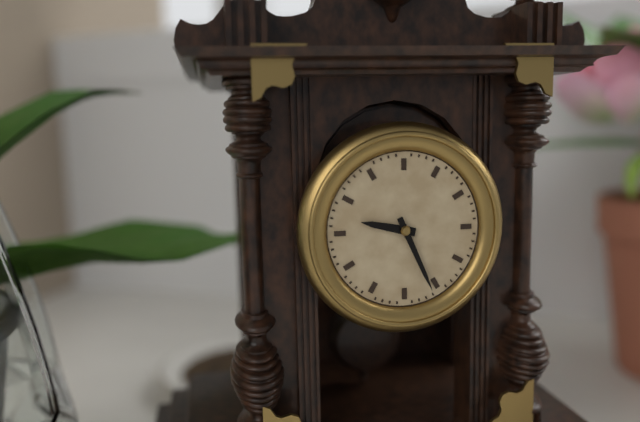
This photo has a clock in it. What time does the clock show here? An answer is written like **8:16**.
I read **9:26**
